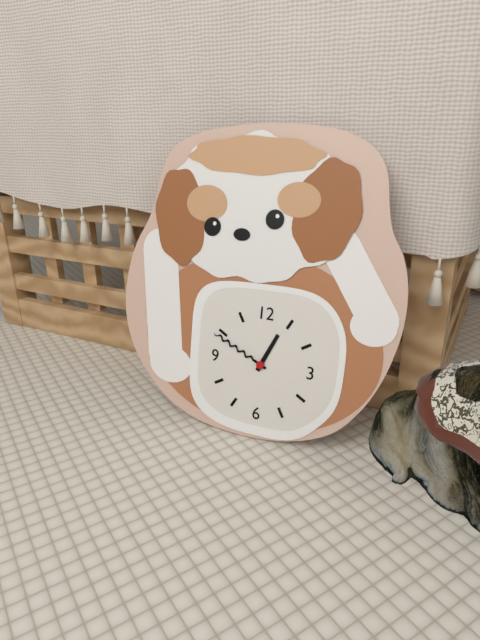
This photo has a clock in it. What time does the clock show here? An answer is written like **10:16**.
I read **12:49**
